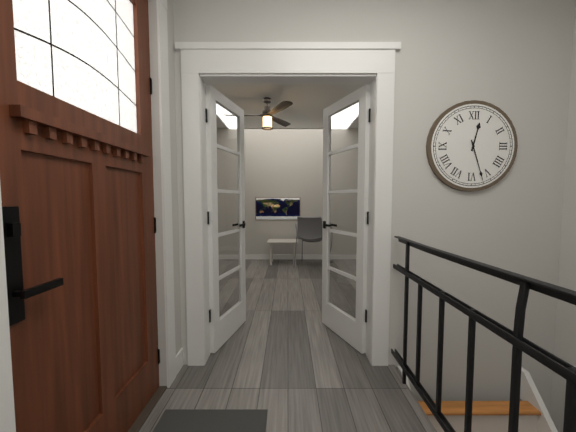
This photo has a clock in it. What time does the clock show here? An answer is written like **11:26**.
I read **12:27**
